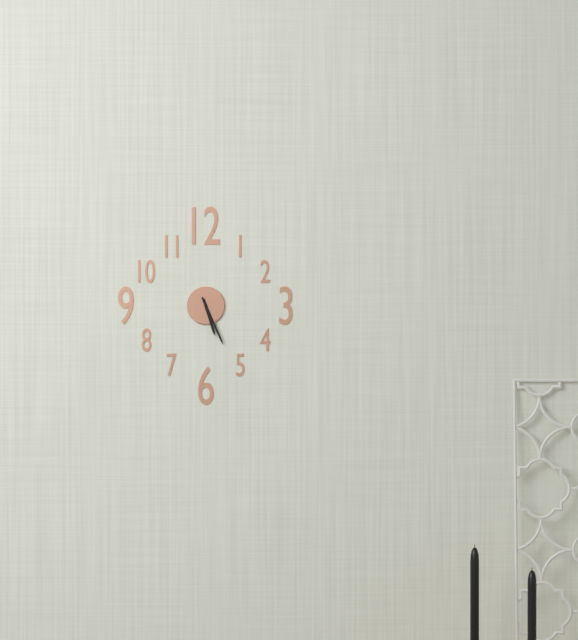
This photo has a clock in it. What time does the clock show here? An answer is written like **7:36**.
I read **5:26**
